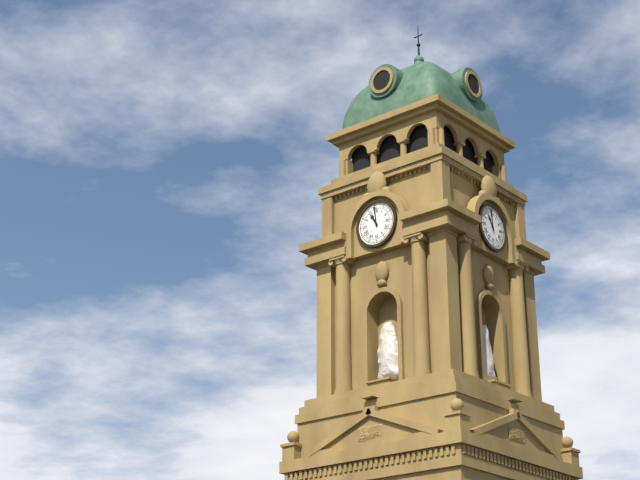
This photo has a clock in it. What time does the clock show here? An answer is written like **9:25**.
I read **10:59**
